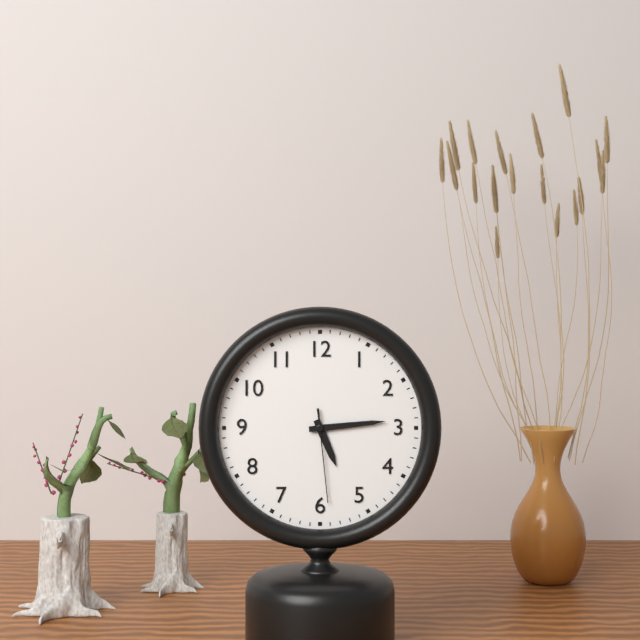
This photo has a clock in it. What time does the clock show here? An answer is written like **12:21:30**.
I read **5:14:29**
